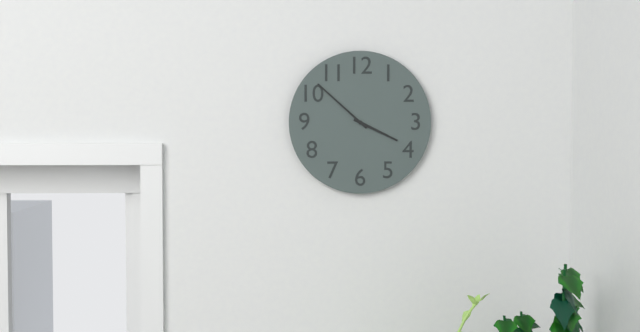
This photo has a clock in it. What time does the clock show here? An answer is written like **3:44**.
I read **3:52**
